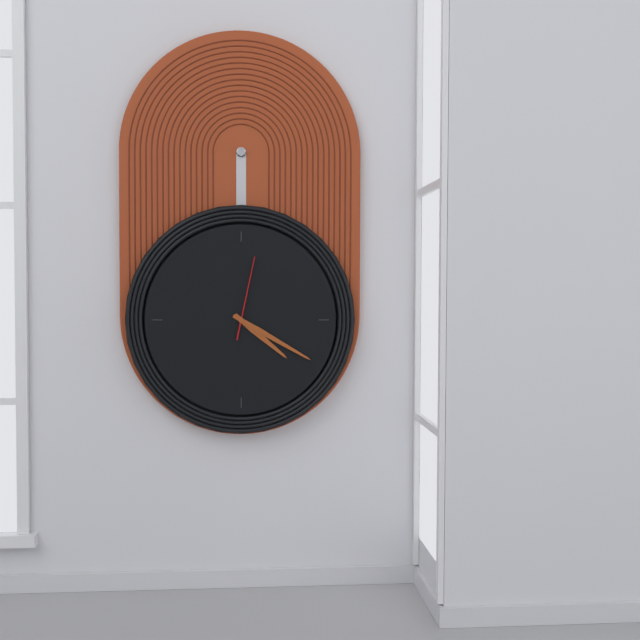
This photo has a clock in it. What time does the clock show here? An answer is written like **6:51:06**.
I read **4:20:02**
